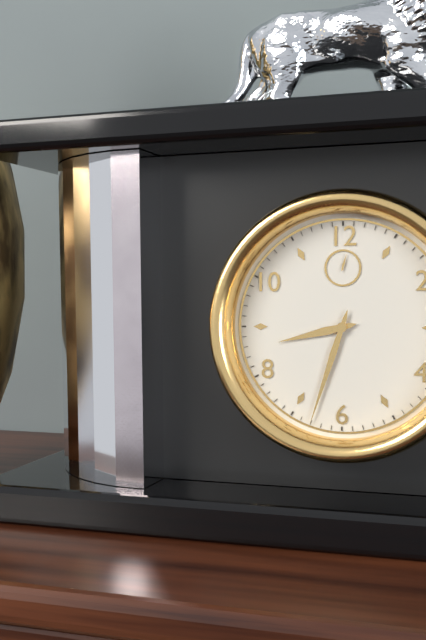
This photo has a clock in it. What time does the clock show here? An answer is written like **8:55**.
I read **8:33**
